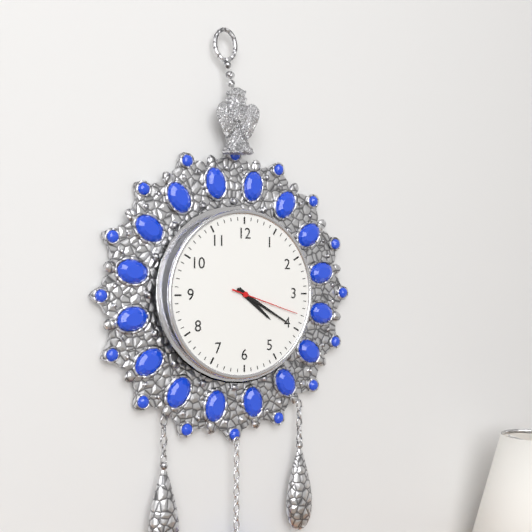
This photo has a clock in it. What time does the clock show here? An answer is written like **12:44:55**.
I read **4:20:18**
